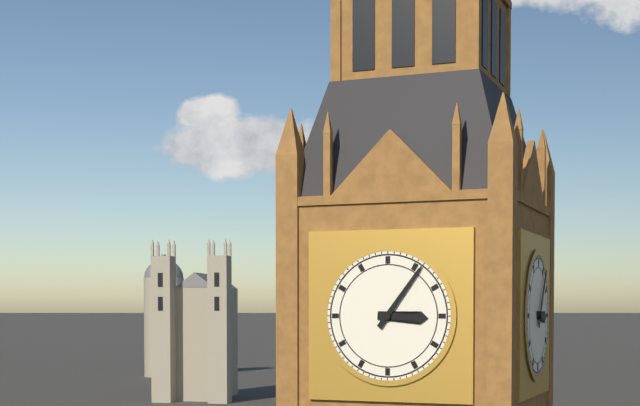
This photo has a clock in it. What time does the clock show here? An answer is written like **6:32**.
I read **3:06**
